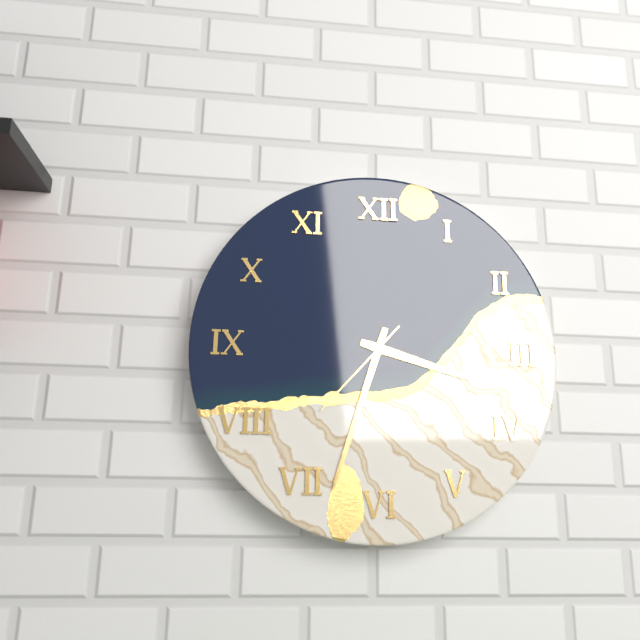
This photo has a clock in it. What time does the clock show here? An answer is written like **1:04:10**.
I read **3:33:37**
